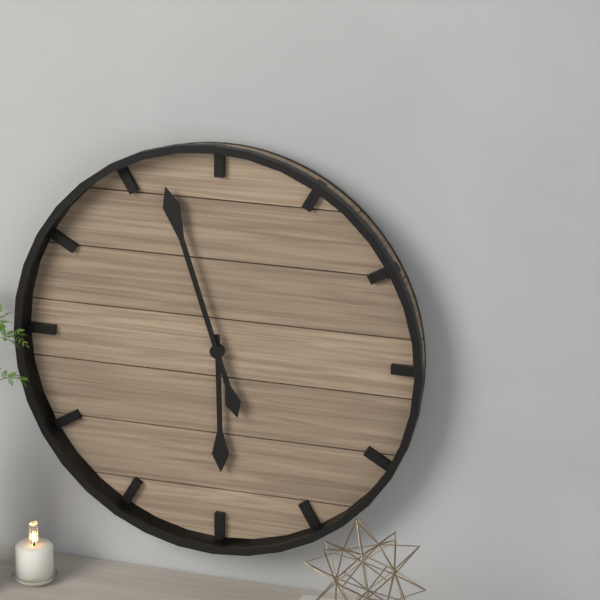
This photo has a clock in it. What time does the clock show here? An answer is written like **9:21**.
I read **5:57**
